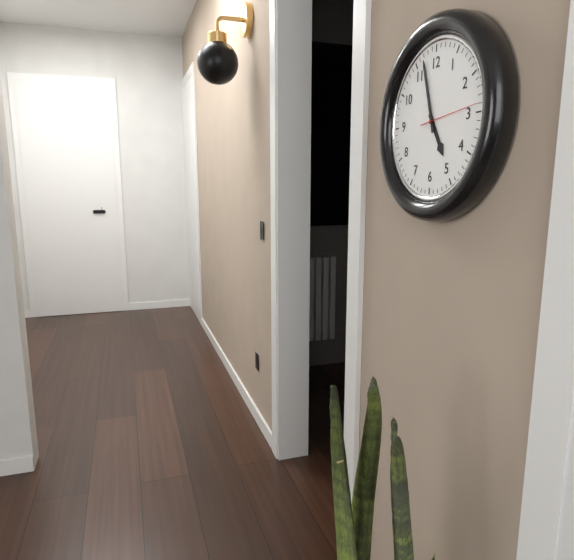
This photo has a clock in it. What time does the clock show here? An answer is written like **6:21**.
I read **4:57**
